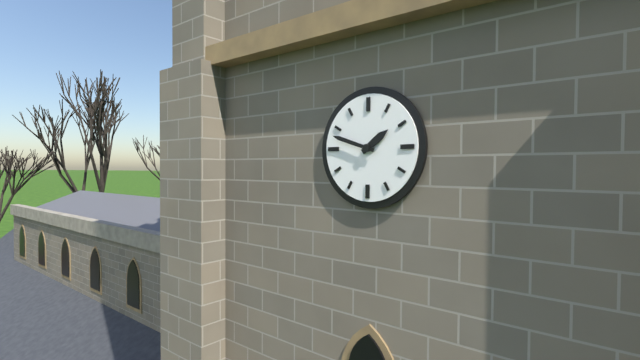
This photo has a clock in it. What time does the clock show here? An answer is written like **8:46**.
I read **1:48**
